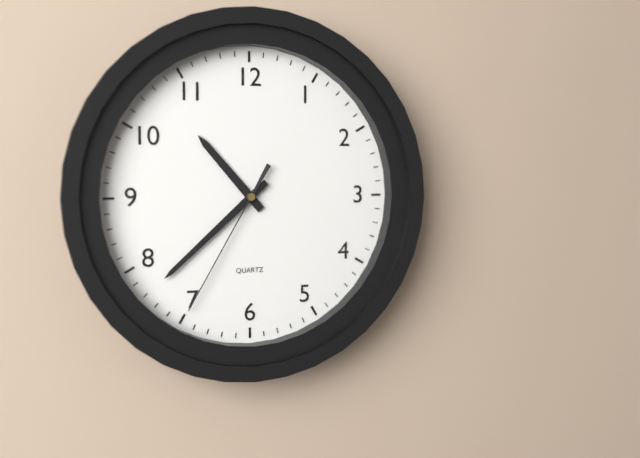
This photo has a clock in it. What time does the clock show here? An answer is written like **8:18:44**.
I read **10:38:35**
